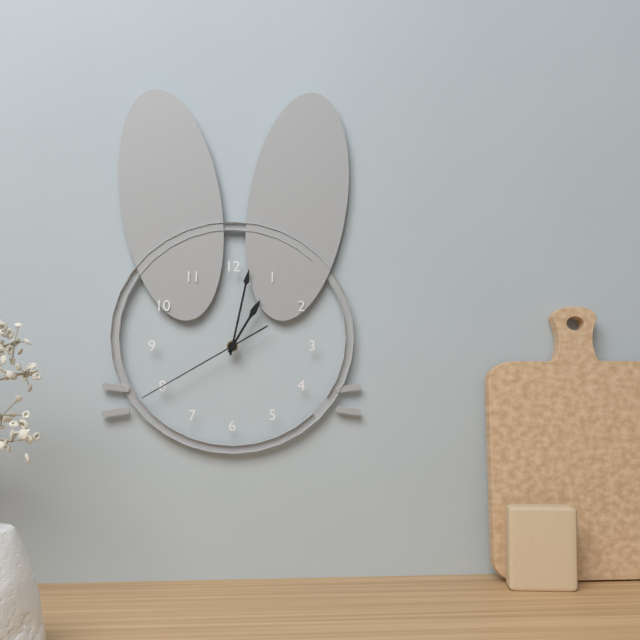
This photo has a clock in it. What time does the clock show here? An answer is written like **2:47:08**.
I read **1:02:40**
